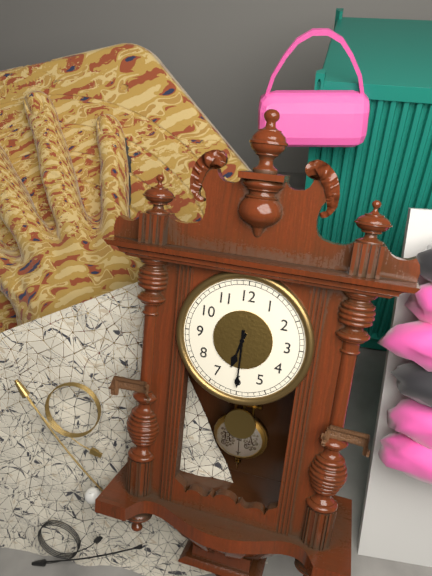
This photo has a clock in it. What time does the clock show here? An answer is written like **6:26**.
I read **6:30**
